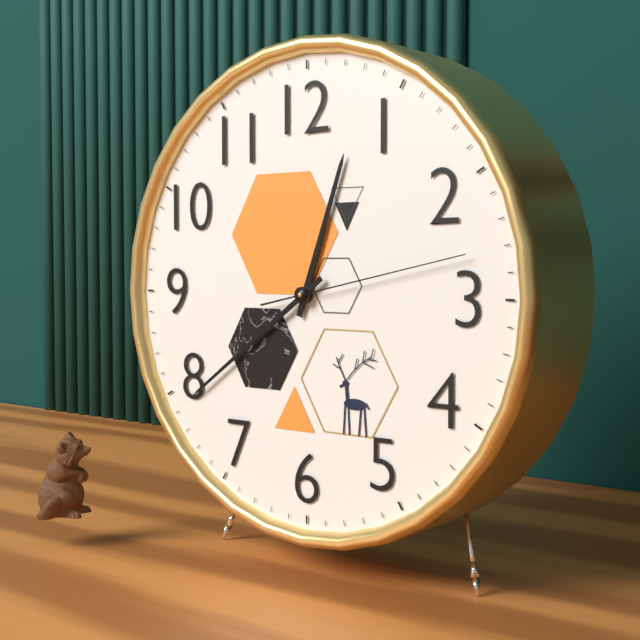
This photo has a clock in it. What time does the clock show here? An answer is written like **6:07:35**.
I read **12:39:13**
